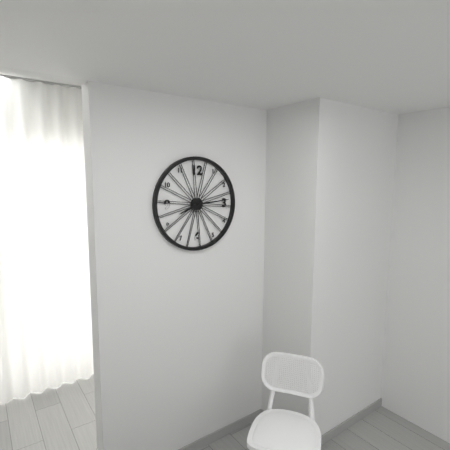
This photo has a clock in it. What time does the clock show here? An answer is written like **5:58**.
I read **8:14**
